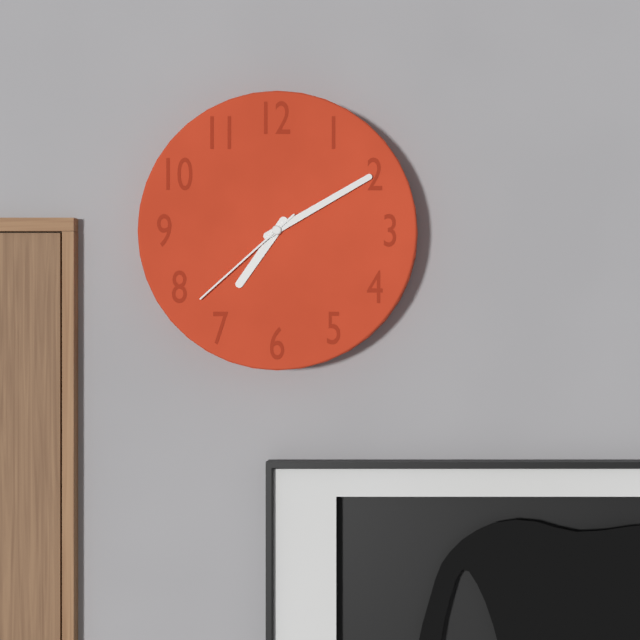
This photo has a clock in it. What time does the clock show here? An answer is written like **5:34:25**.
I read **7:10:38**
